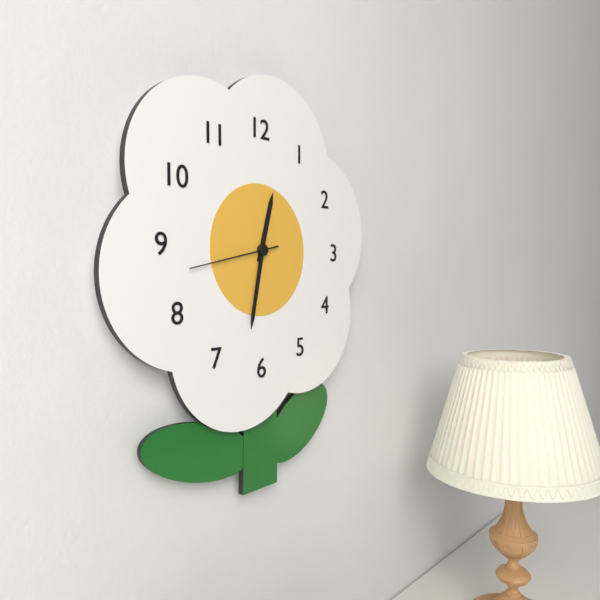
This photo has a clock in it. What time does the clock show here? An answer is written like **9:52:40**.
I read **12:32:43**
